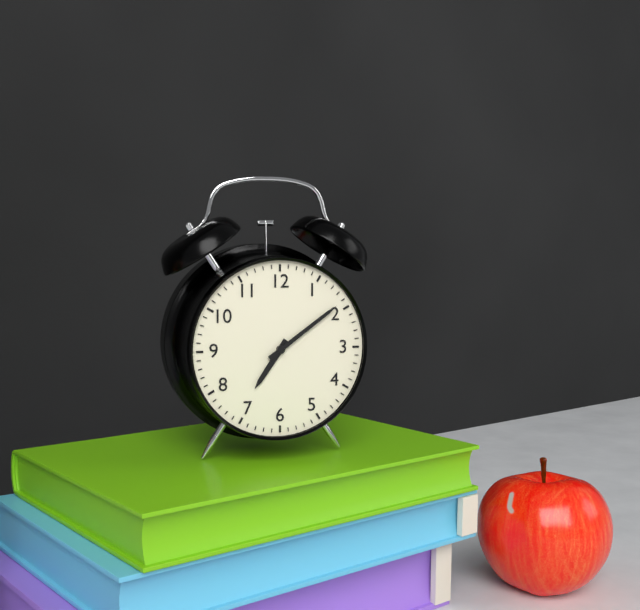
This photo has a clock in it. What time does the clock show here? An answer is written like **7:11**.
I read **7:09**
